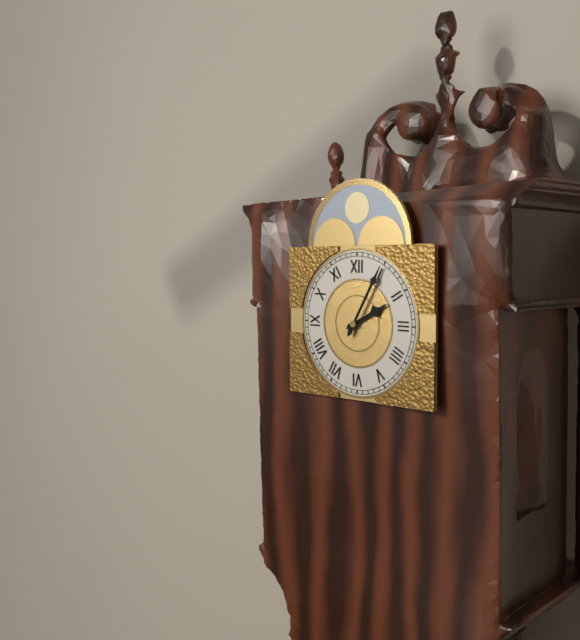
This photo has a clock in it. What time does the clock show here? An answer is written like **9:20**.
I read **2:05**
